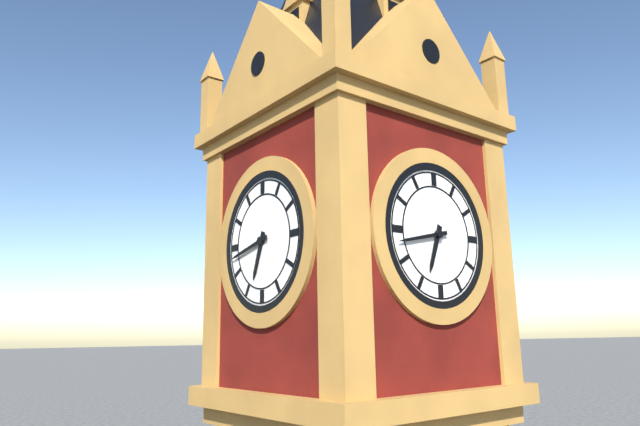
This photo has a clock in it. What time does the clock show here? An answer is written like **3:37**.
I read **6:43**
